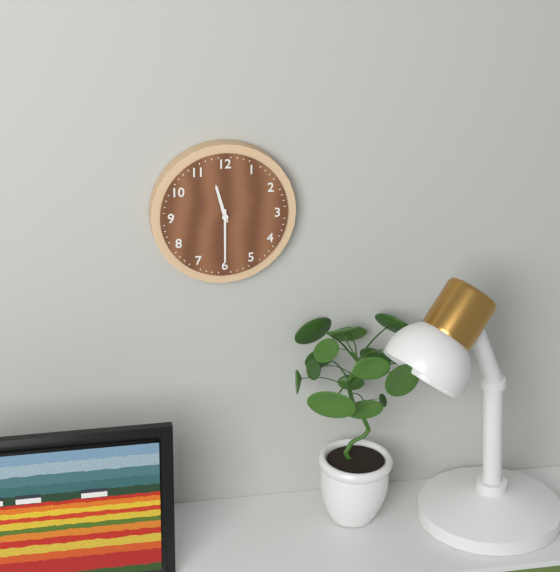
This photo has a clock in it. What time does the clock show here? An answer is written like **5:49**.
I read **11:30**
